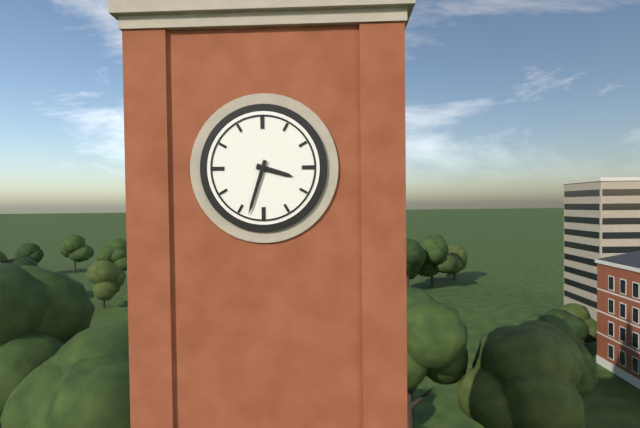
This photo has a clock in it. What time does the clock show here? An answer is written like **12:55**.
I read **3:33**
